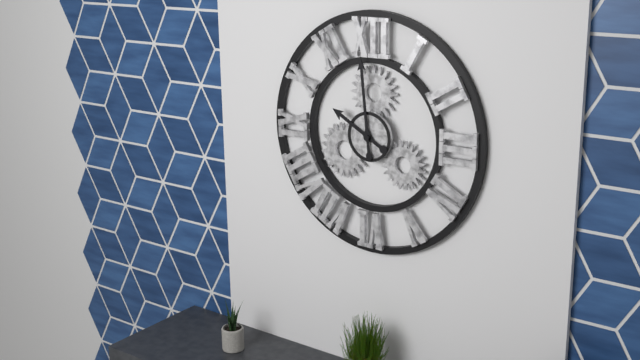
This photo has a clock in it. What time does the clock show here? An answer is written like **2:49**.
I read **9:59**
